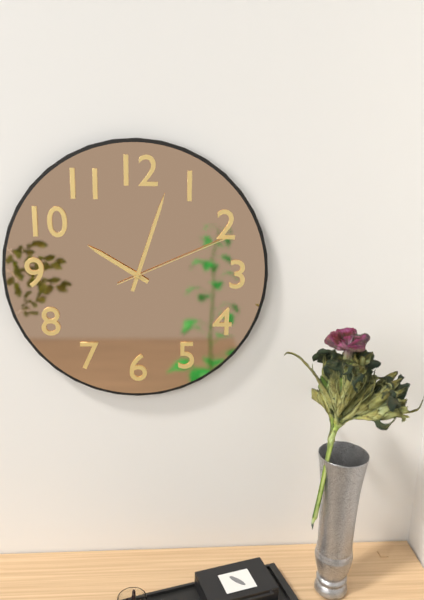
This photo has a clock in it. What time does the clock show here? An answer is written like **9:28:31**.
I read **10:03:11**
